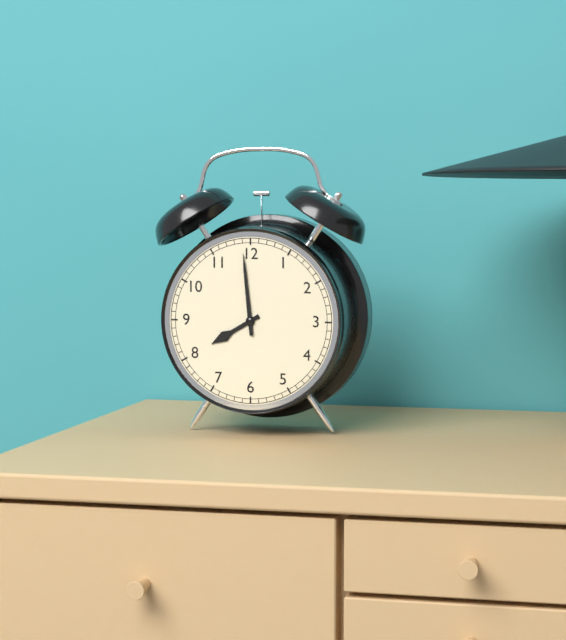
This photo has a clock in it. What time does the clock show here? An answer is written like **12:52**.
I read **7:59**
